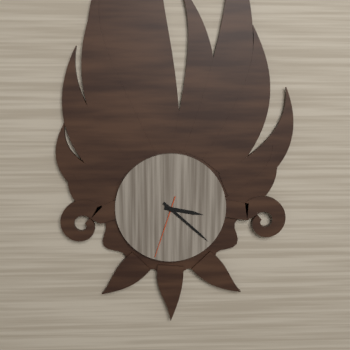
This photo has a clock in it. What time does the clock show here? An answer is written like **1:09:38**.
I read **3:22:33**
